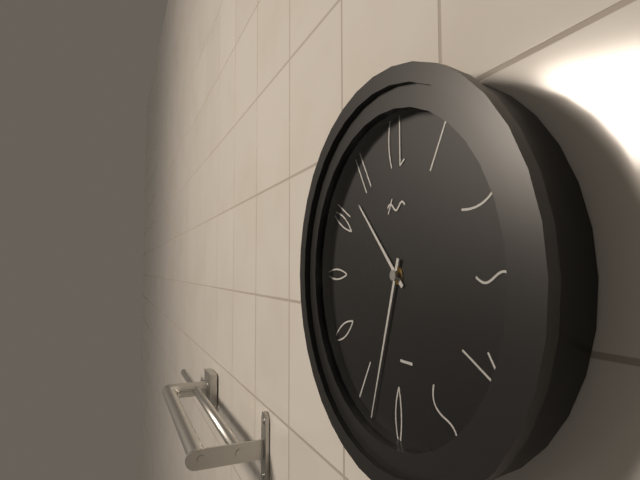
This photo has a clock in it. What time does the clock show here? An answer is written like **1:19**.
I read **10:33**
